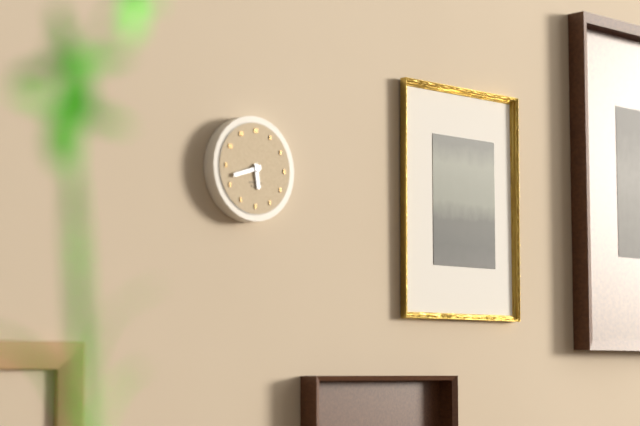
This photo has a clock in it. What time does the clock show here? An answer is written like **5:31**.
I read **5:42**
